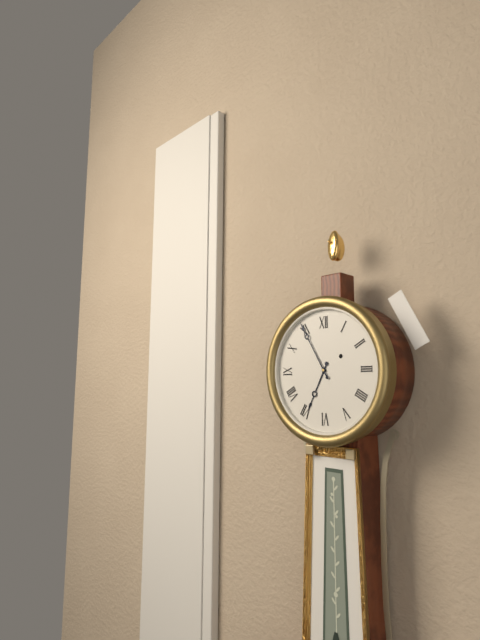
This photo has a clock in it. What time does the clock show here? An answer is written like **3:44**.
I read **6:55**
